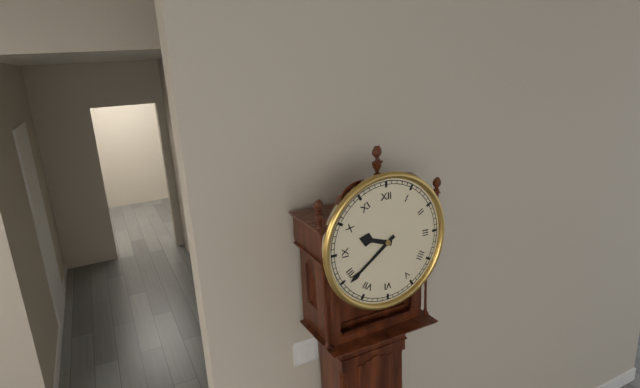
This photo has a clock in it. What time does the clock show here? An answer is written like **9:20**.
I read **9:39**
